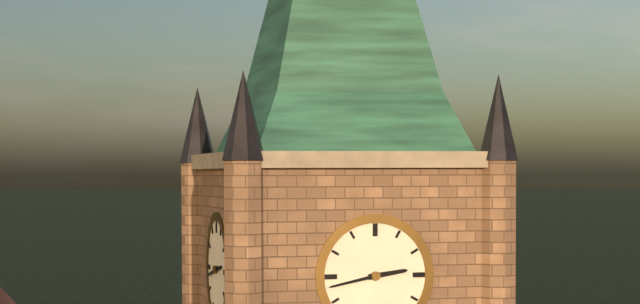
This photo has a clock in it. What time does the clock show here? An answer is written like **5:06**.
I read **2:43**
